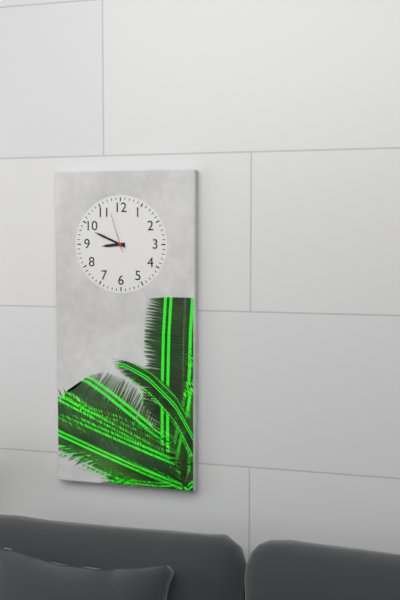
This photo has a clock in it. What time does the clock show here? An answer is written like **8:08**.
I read **8:49**
